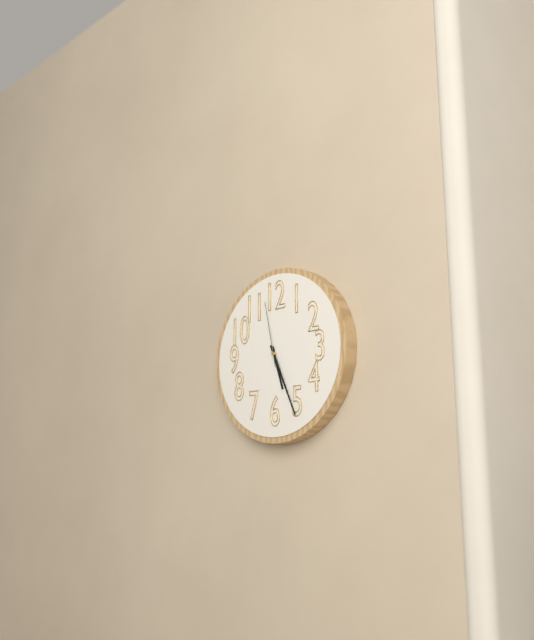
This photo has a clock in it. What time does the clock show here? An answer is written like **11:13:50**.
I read **5:26:58**
